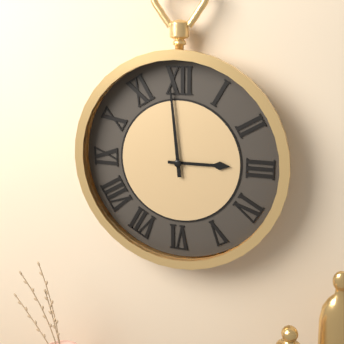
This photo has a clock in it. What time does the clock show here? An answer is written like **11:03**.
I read **2:59**
